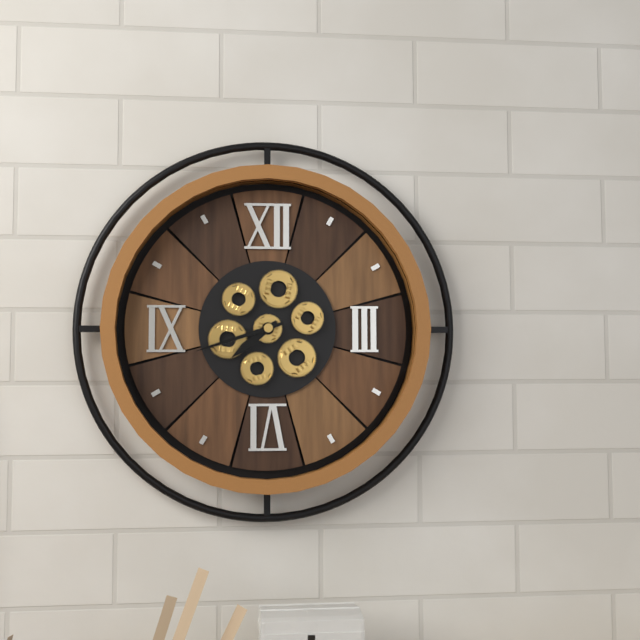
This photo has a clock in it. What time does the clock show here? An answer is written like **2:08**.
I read **7:42**
